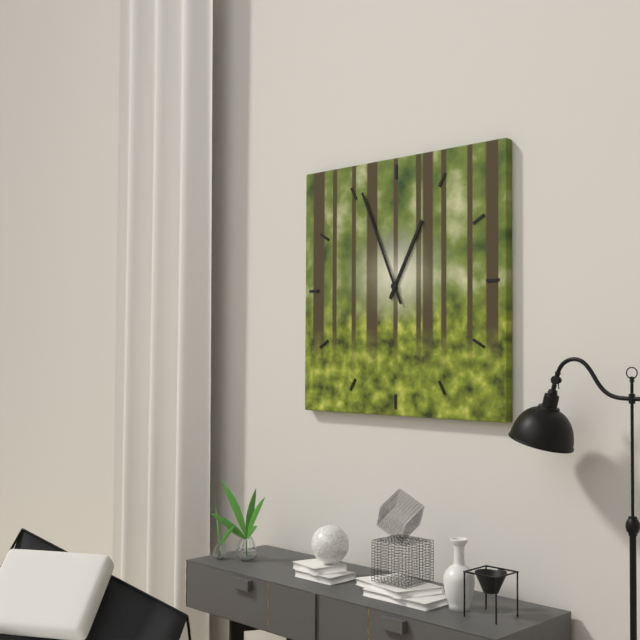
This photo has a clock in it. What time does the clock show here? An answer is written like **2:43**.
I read **12:56**
